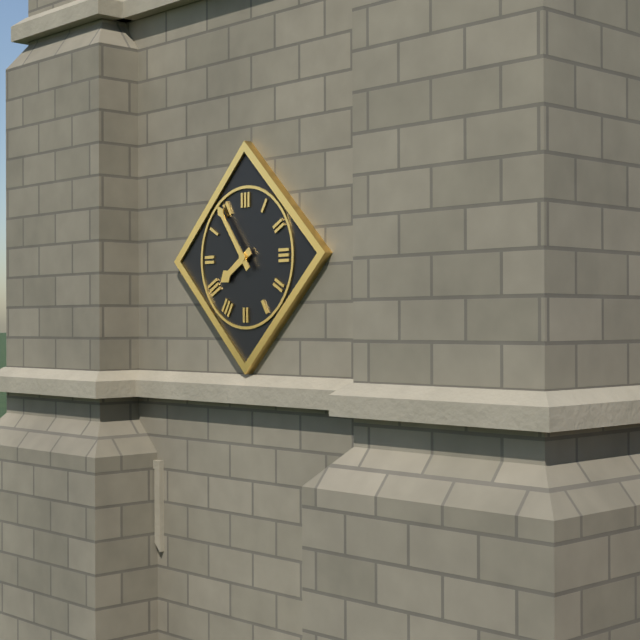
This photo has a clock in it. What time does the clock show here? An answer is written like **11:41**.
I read **7:54**
